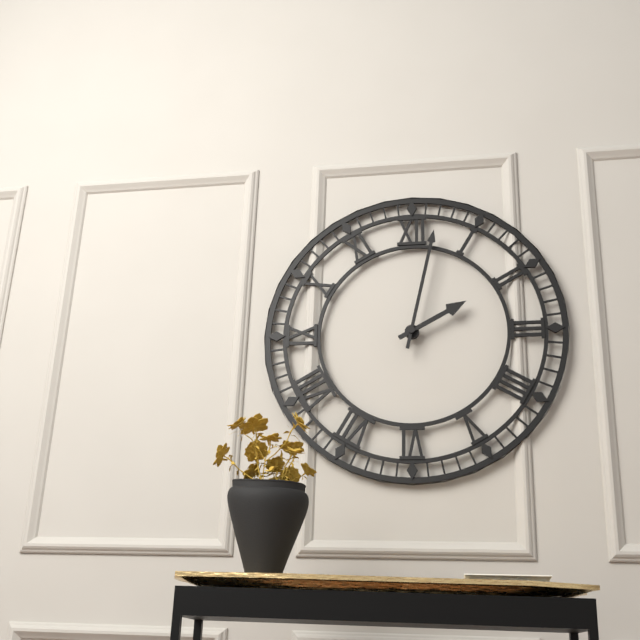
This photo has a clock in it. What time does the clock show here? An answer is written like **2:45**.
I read **2:02**
